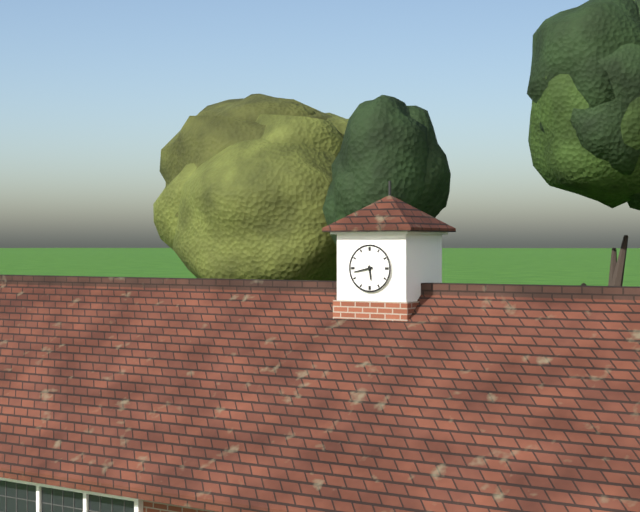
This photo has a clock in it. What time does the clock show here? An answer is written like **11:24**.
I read **5:43**
